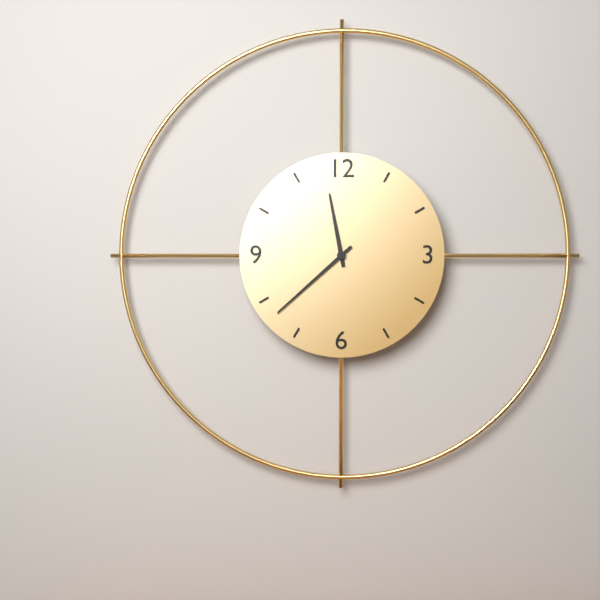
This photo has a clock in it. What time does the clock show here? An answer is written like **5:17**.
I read **11:38**
